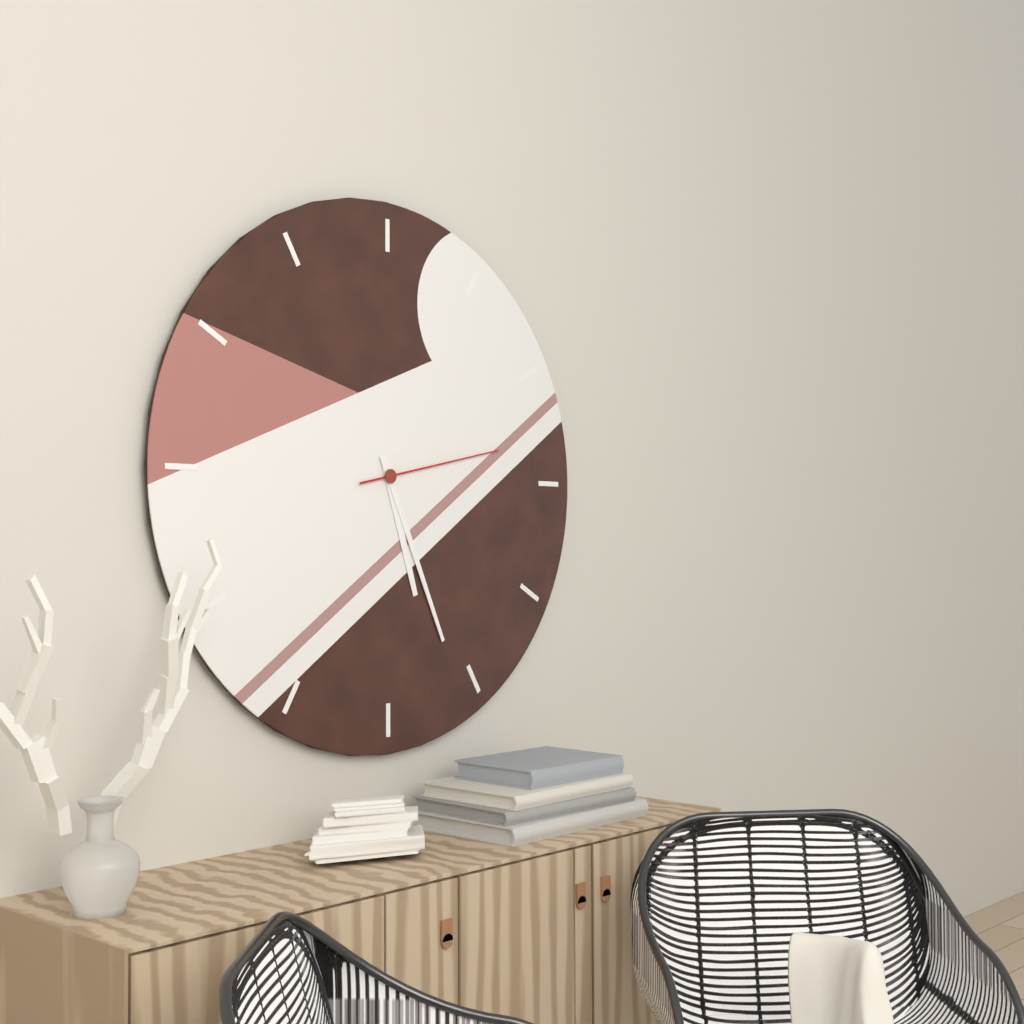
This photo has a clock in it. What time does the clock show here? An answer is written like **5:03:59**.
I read **5:26:13**
